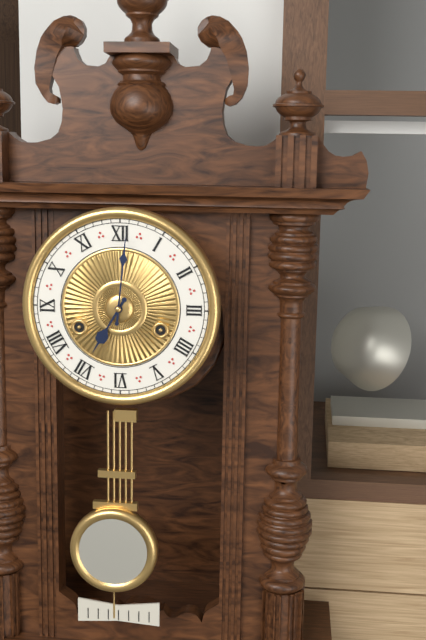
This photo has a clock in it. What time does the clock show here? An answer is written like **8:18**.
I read **7:01**
